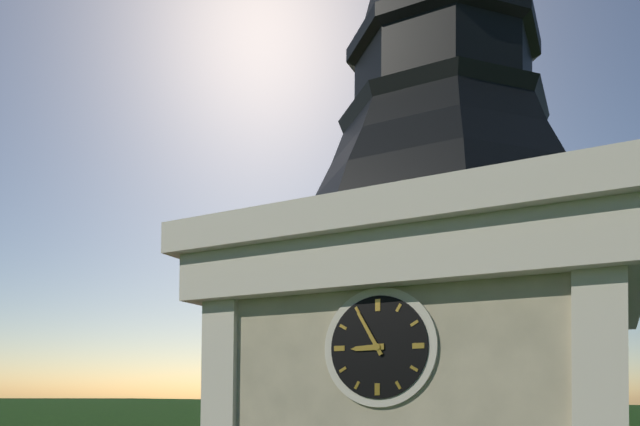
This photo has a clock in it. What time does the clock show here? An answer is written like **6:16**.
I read **8:55**
